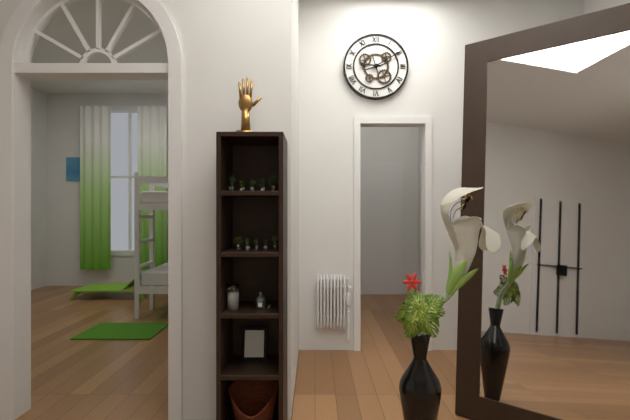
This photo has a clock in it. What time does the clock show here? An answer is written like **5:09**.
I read **9:10**
